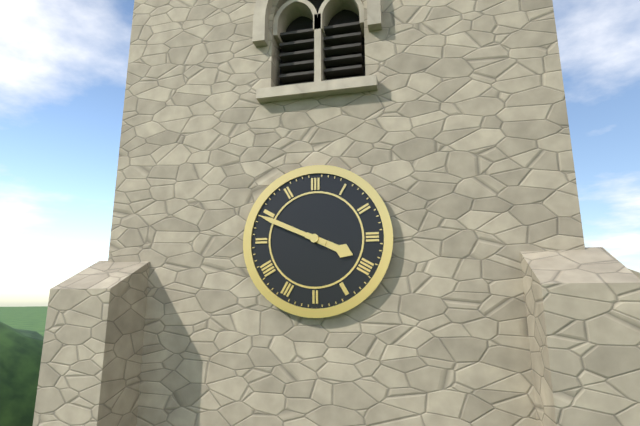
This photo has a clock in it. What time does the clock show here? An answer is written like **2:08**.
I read **3:49**
